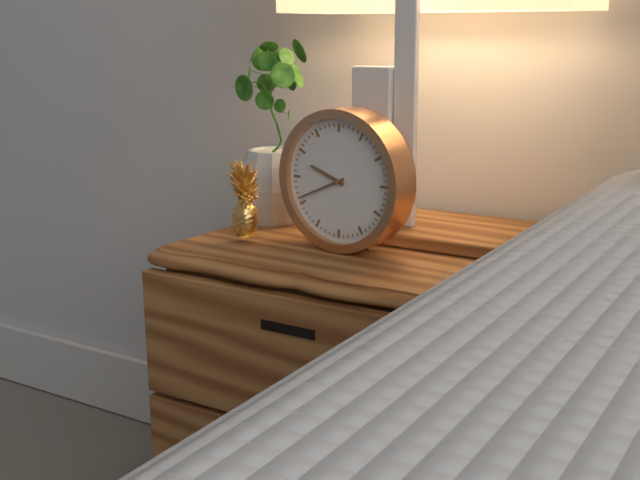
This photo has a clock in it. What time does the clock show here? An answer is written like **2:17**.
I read **9:41**
